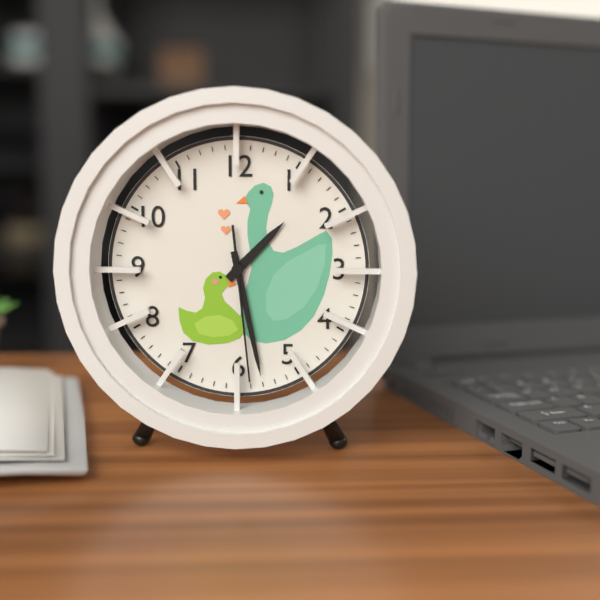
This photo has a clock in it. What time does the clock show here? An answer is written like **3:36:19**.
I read **1:28:29**
